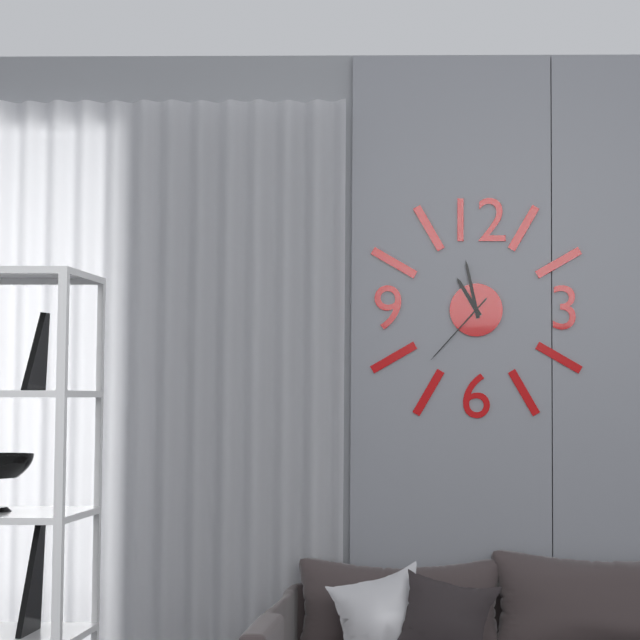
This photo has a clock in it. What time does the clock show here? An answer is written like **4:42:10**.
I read **10:58:37**
